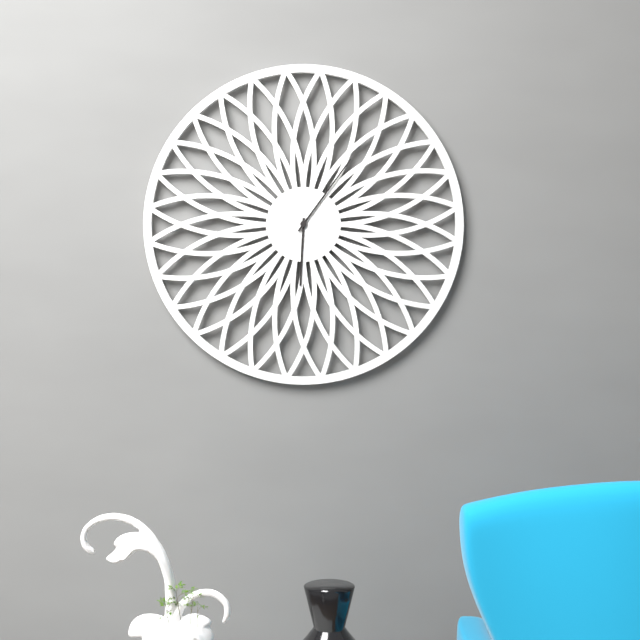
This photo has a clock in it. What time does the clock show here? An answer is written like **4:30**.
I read **6:06**
